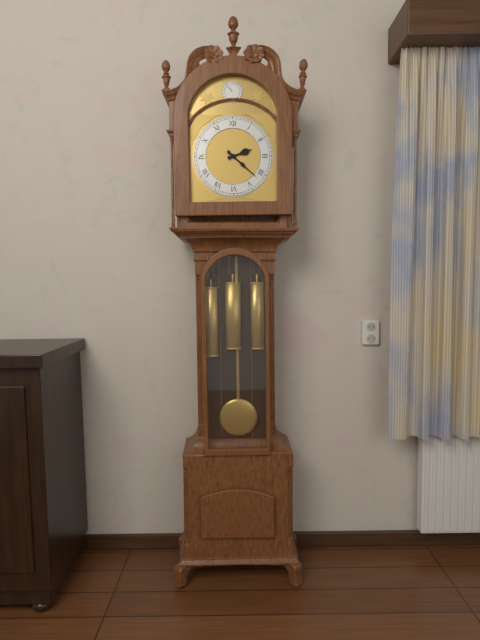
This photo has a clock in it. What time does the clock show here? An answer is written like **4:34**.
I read **2:22**
